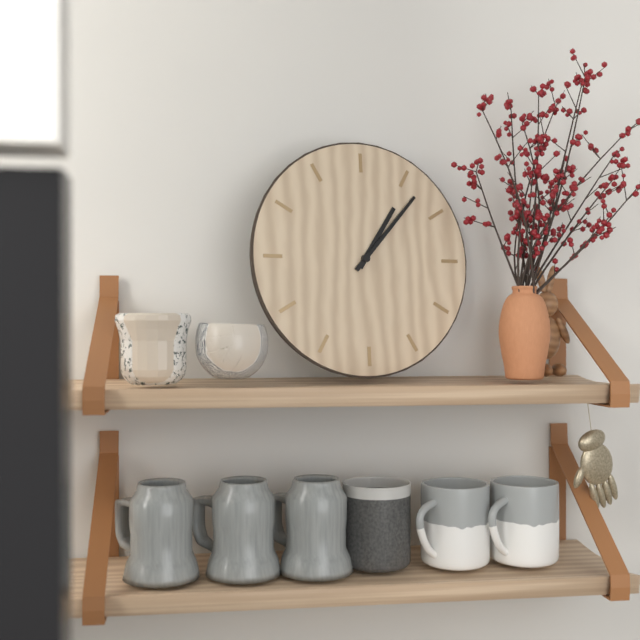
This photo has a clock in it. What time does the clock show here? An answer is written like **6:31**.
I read **1:07**
